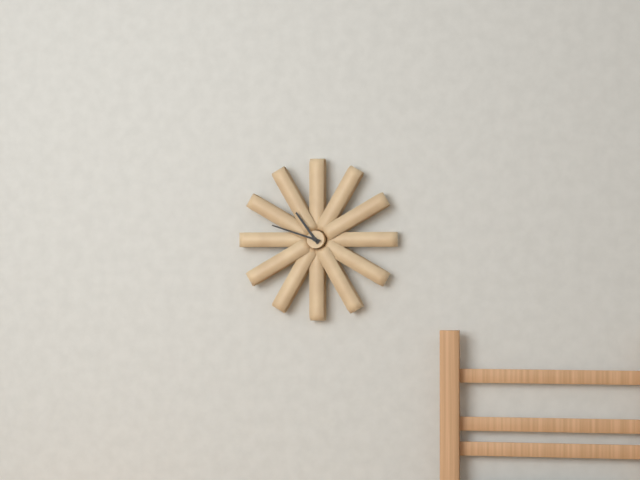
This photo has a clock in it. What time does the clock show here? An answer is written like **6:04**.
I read **10:48**
